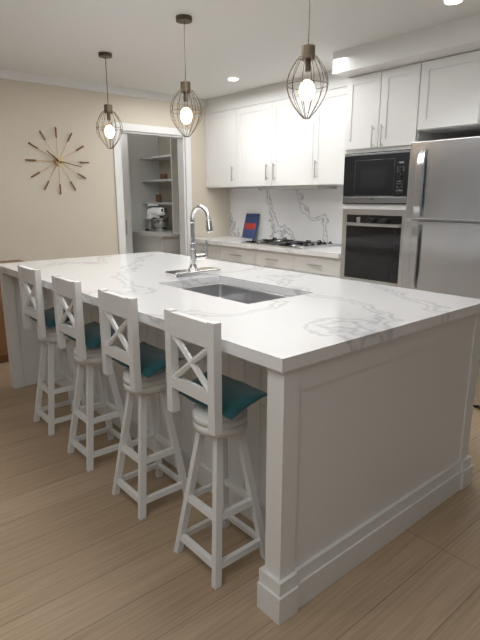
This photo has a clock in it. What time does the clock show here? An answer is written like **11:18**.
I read **10:17**
